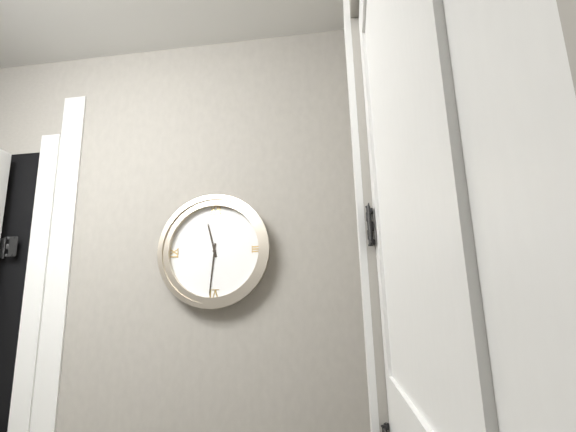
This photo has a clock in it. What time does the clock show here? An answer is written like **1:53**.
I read **11:31**
